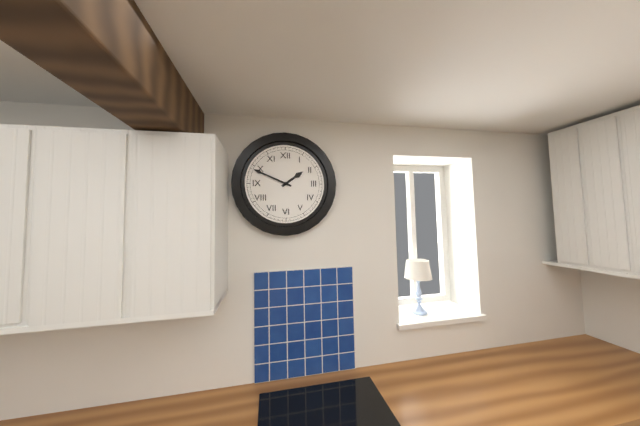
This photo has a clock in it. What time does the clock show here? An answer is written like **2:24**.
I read **1:49**
